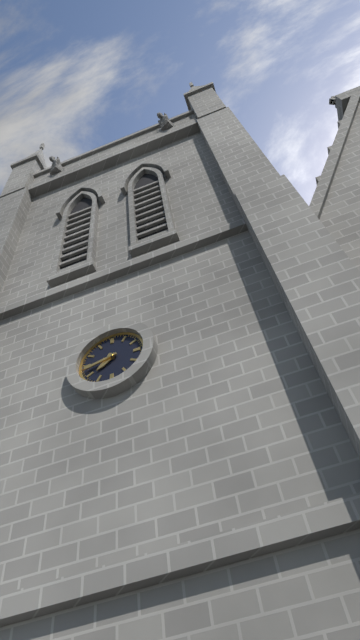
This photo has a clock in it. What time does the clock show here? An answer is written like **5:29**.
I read **7:43**
